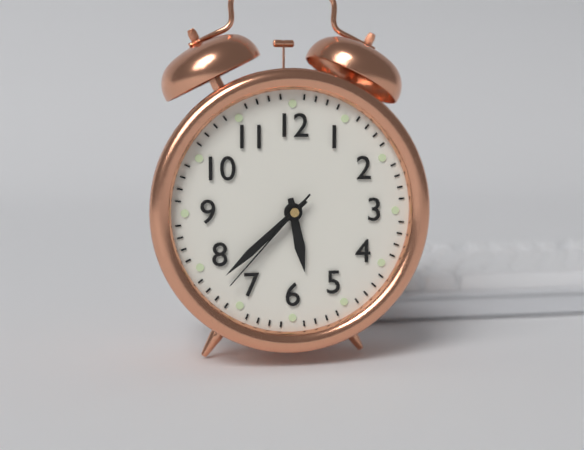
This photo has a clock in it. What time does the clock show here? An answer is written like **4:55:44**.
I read **5:38:37**
